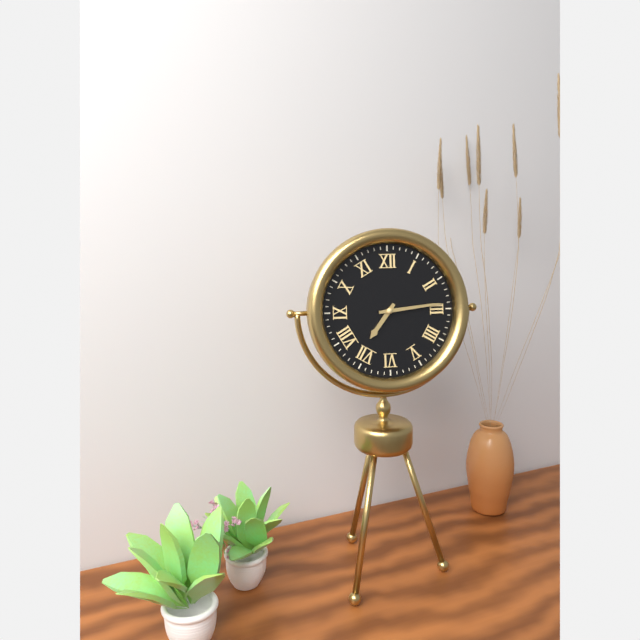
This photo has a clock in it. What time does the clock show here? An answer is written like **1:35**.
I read **7:14**
